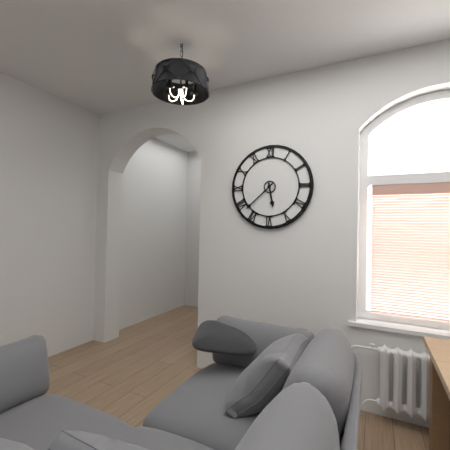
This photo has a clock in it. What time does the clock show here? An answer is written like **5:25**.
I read **5:38**
